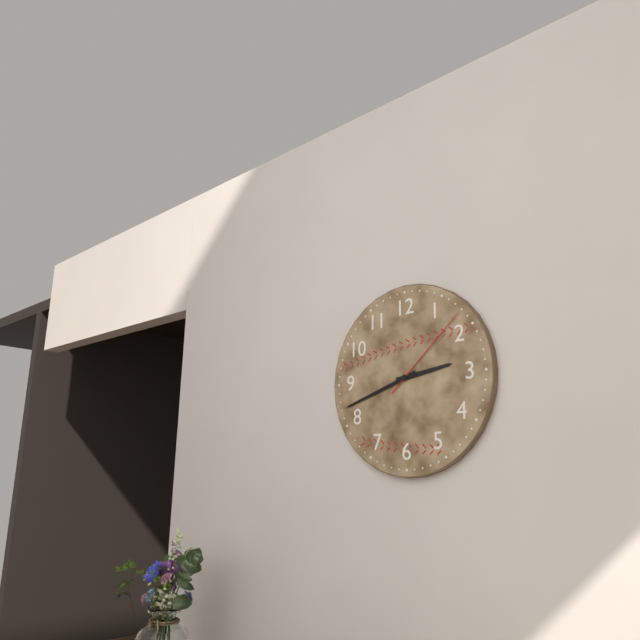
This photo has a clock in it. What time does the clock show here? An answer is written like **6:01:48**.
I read **2:42:08**
